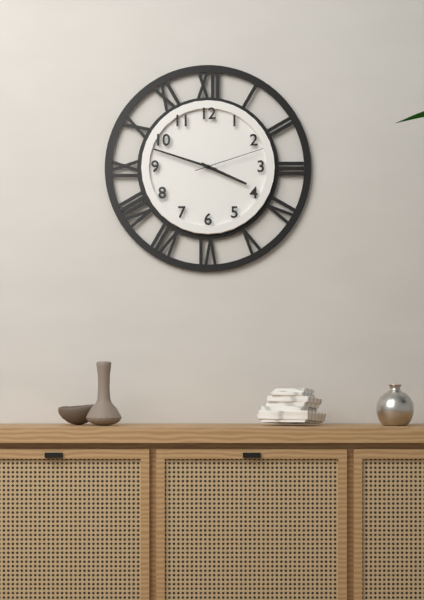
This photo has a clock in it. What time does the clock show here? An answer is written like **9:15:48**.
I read **3:48:12**
